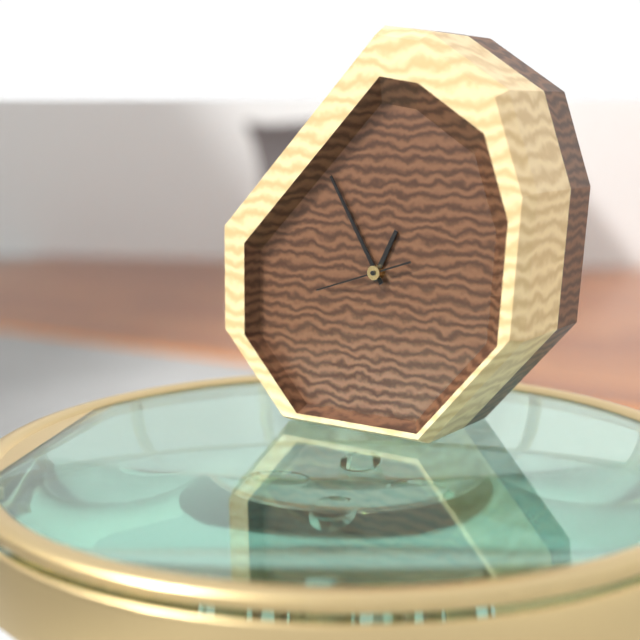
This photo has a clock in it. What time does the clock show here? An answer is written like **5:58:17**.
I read **12:55:42**
